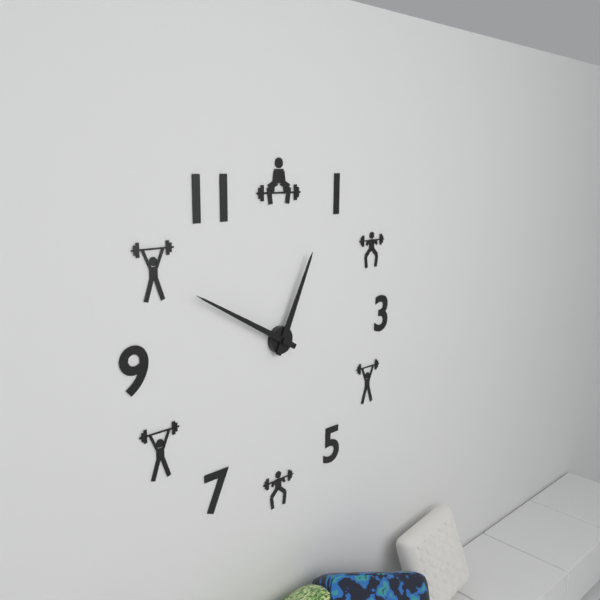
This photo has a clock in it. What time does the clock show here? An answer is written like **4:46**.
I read **12:50**
